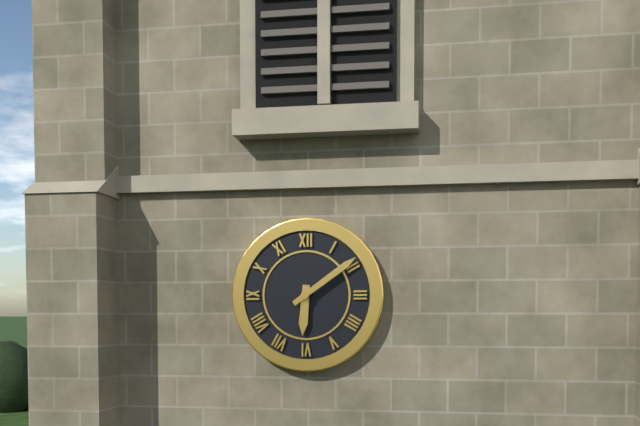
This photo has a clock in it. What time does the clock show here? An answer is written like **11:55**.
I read **6:09**
